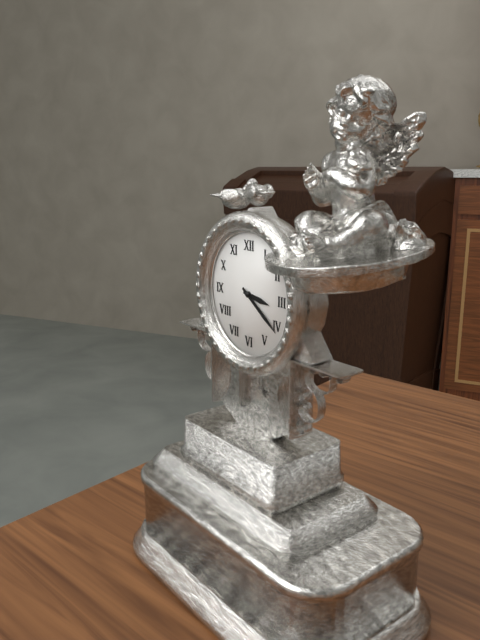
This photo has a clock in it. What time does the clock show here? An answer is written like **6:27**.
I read **3:21**
